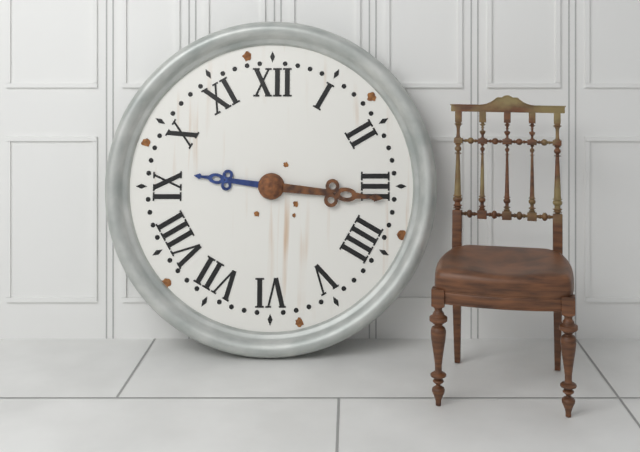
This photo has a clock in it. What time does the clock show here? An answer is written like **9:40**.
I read **9:16**
